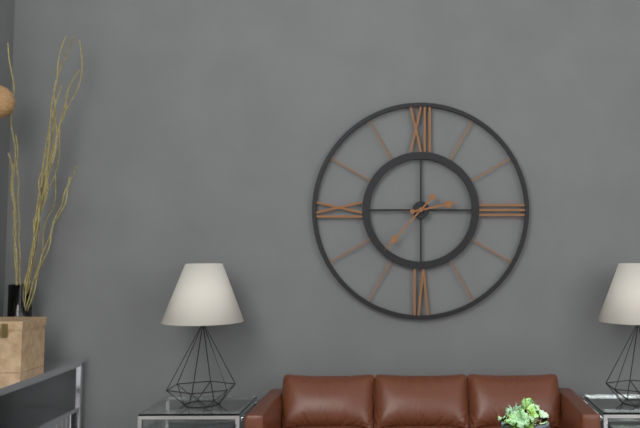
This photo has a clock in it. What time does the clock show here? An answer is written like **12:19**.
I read **2:37**
